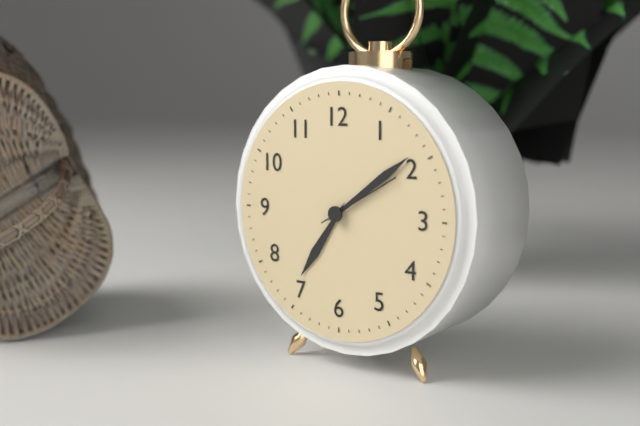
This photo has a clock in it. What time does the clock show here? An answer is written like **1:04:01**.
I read **7:09:10**
